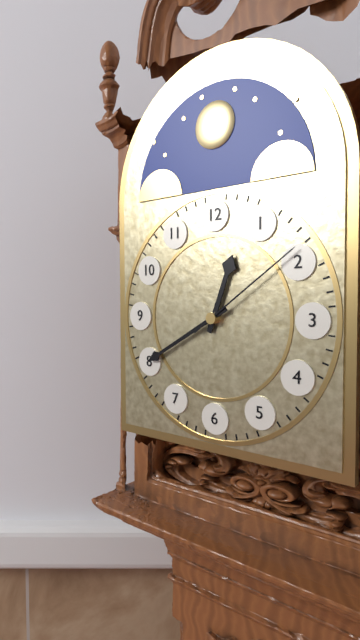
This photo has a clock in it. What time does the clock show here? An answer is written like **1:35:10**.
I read **12:40:09**
